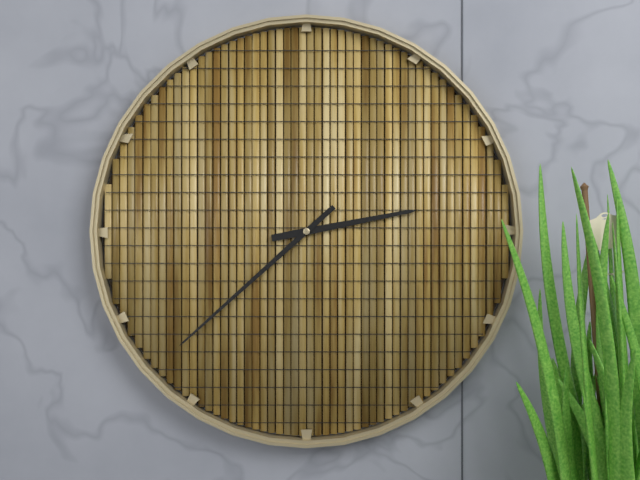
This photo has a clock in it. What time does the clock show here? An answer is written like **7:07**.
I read **2:38**
